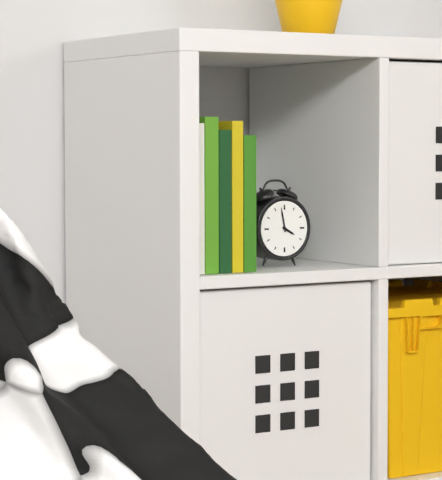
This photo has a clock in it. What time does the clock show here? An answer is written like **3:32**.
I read **3:58**
